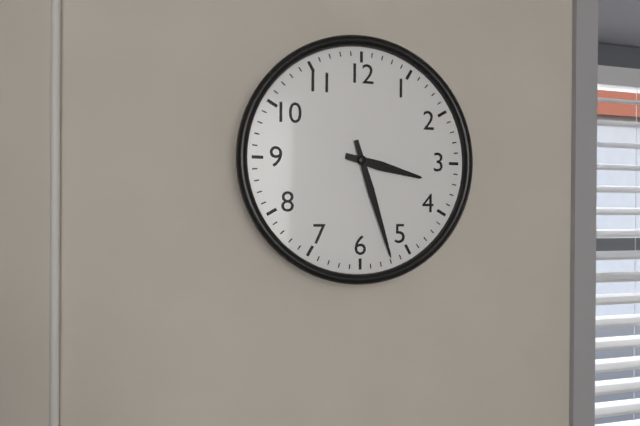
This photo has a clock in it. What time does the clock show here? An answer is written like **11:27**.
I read **3:27**
